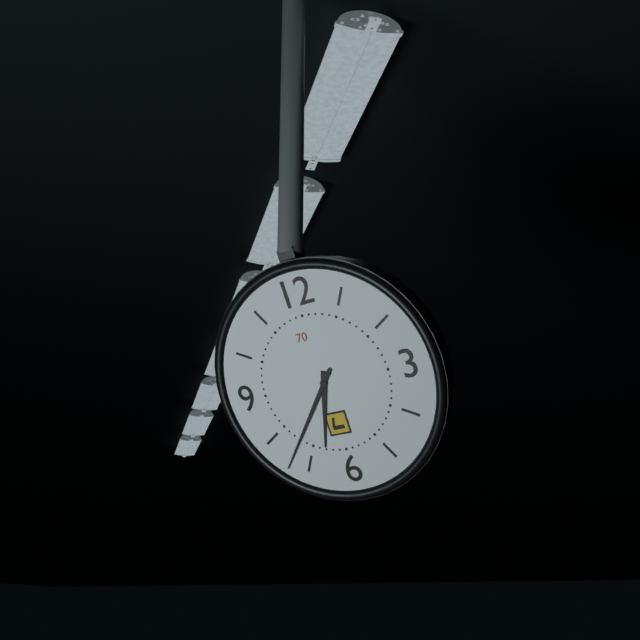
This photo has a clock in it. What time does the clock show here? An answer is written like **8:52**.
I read **6:37**
